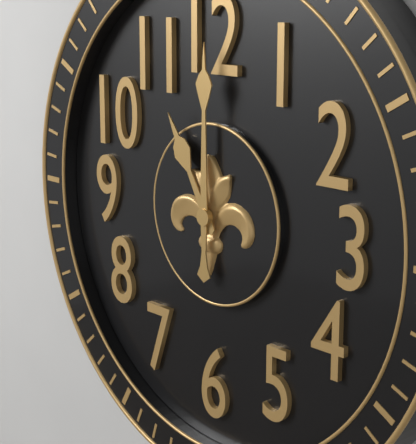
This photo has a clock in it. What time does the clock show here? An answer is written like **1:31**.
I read **11:00**
